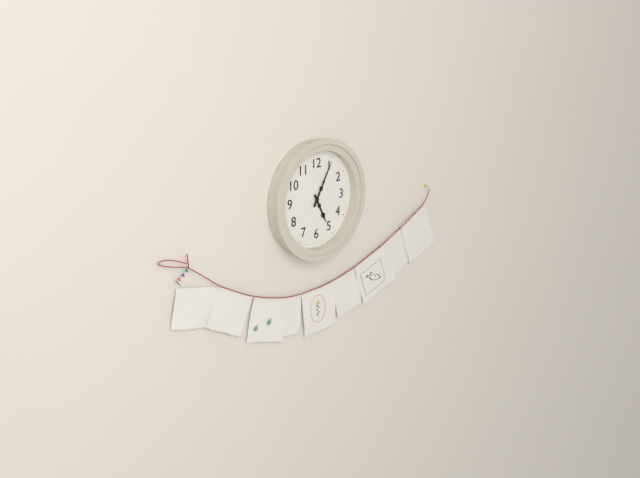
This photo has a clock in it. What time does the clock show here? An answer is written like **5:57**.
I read **5:05**
